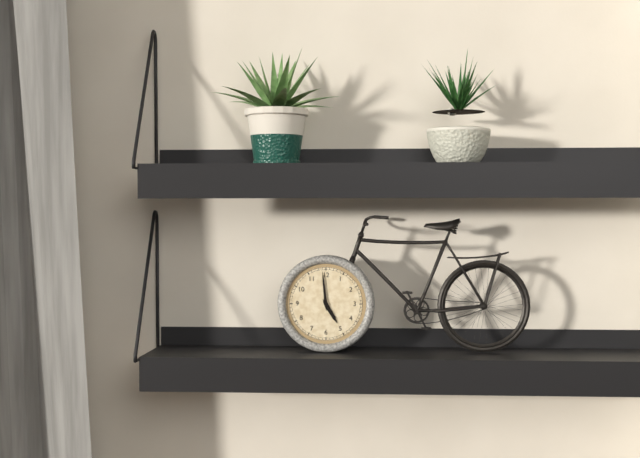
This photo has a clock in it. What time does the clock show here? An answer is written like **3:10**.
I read **4:59**
